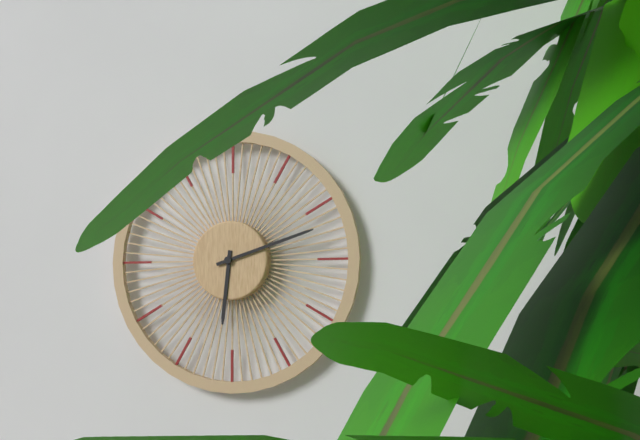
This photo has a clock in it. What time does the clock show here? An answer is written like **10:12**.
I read **6:12**
